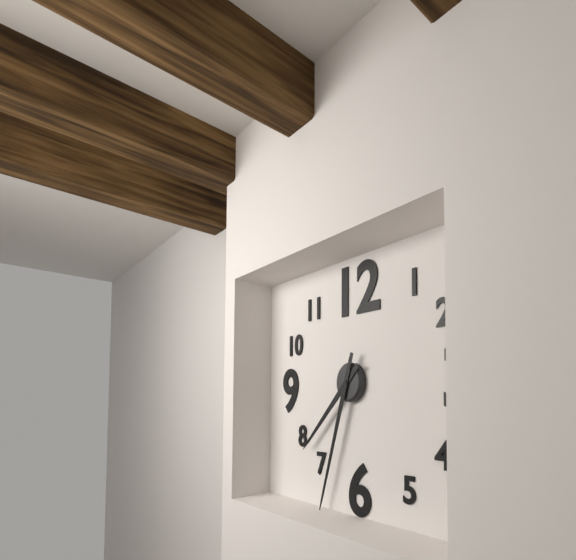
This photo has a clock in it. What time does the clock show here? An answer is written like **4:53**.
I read **7:33**
